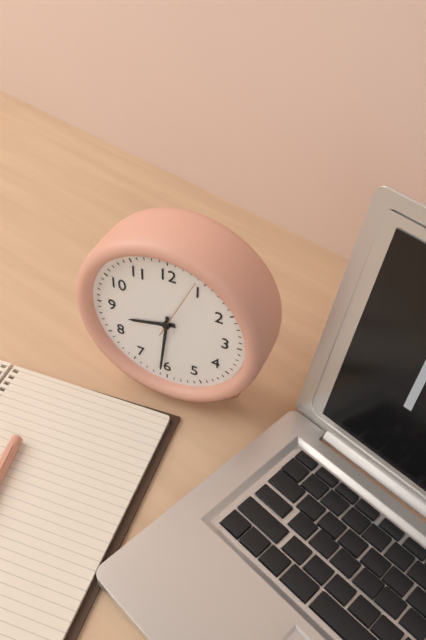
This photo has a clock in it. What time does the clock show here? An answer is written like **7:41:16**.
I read **8:31:04**
